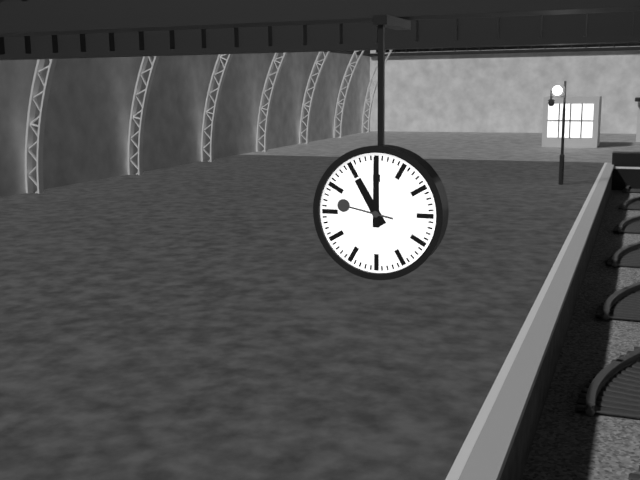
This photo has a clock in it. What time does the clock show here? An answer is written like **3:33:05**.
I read **11:00:47**
